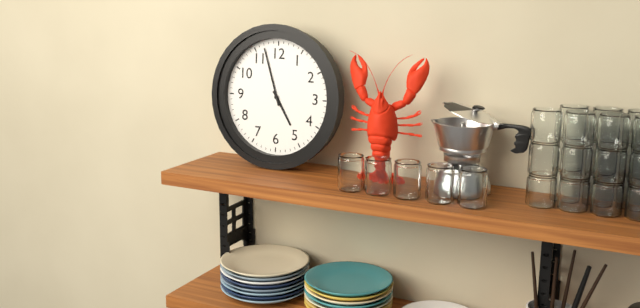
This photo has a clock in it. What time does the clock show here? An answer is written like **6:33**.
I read **4:57**
